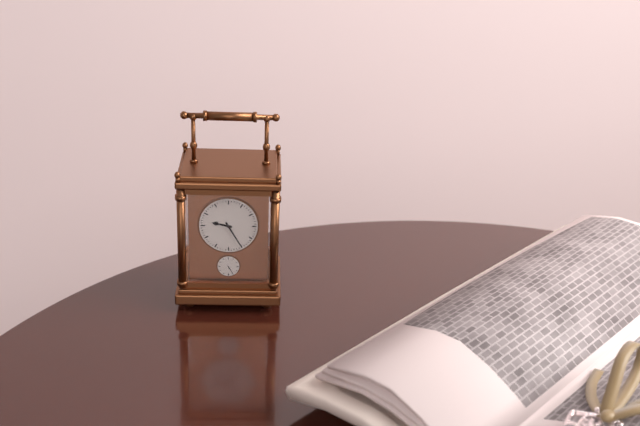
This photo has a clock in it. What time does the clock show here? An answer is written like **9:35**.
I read **9:25**
